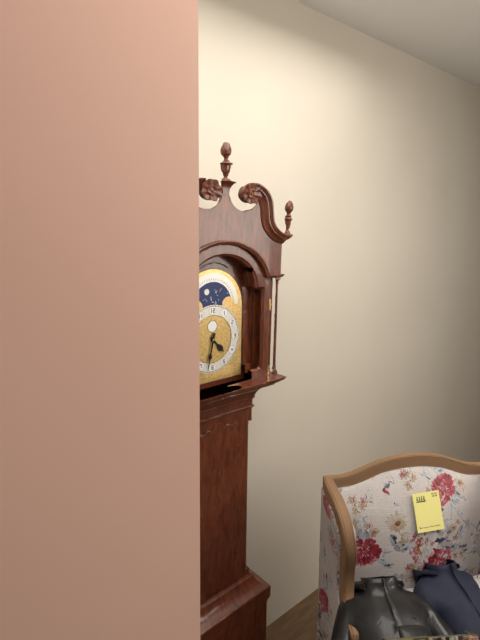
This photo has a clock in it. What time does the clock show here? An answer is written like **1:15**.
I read **4:32**
